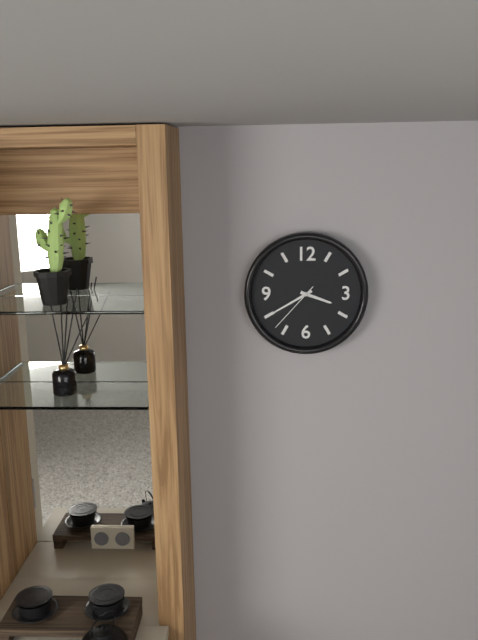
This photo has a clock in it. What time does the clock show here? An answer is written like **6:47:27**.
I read **3:40:37**
